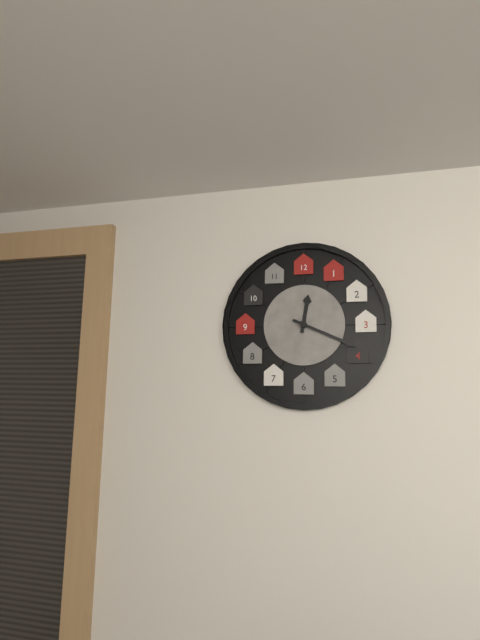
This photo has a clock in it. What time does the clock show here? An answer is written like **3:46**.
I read **12:19**
